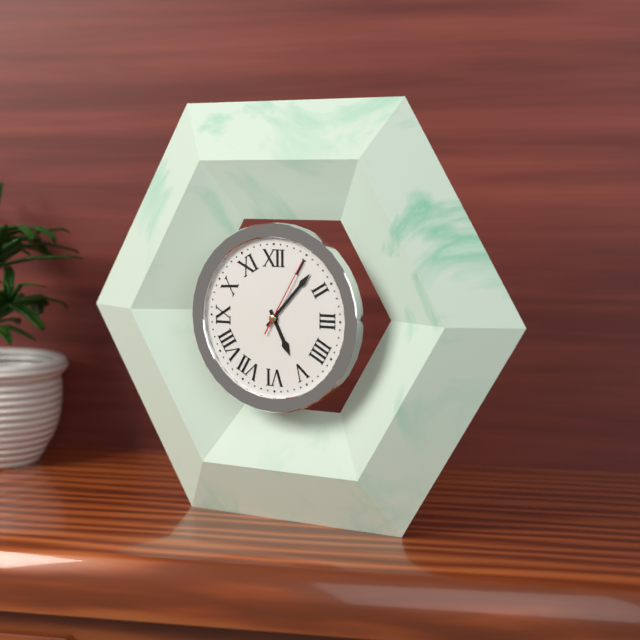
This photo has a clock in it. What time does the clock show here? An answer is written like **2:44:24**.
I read **5:07:05**
